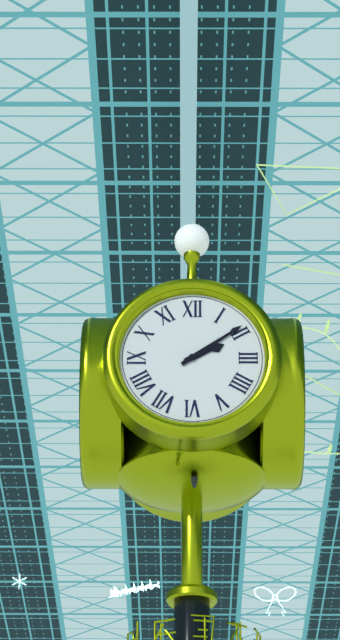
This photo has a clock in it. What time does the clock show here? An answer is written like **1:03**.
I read **2:09**
